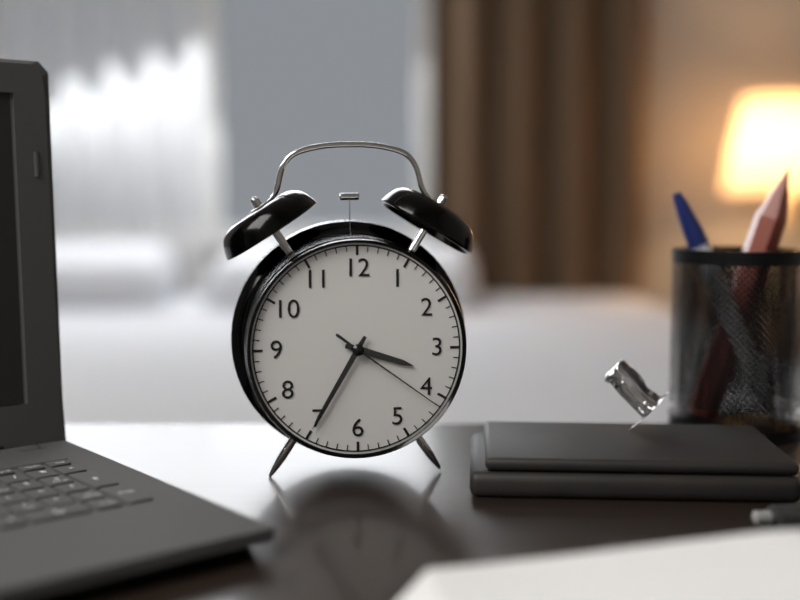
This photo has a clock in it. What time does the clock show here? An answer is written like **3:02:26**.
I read **3:35:21**
